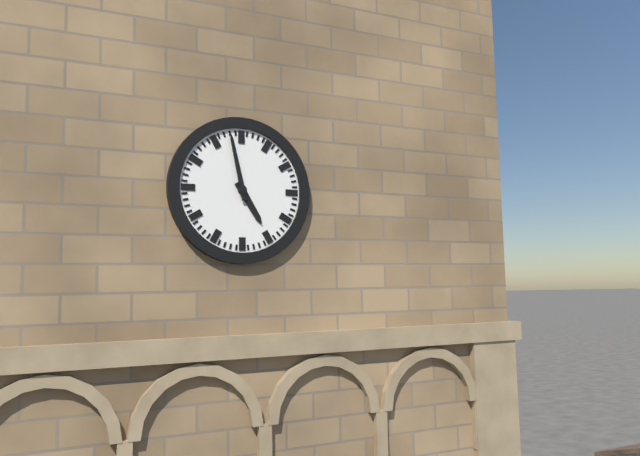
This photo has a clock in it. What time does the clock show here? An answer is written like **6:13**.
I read **4:58**
